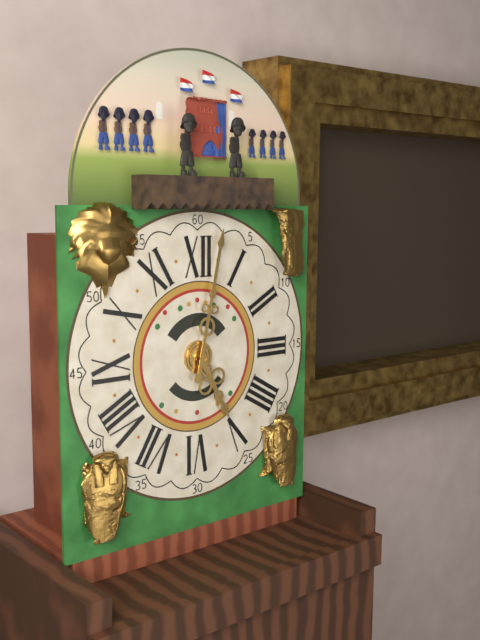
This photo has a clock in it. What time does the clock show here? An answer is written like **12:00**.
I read **5:02**
